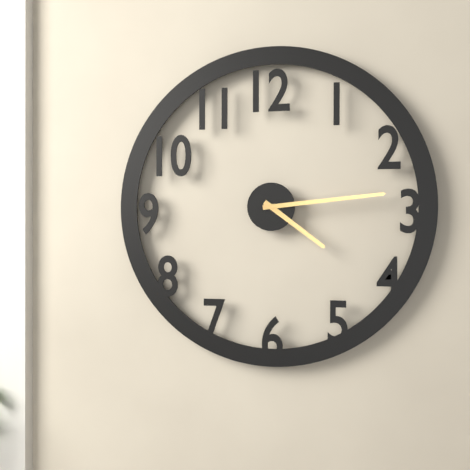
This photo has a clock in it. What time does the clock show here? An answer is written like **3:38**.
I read **4:14**
